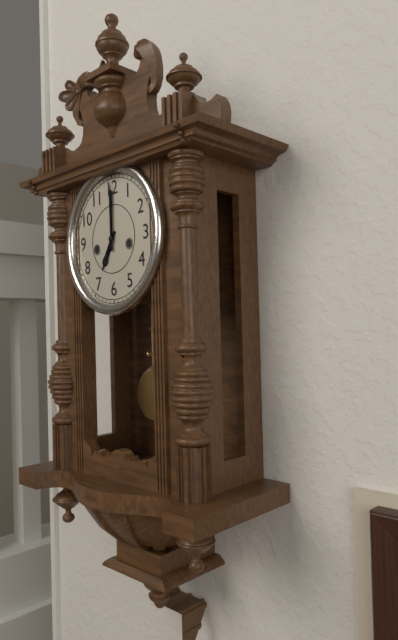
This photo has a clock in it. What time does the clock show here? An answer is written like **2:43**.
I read **7:00**
